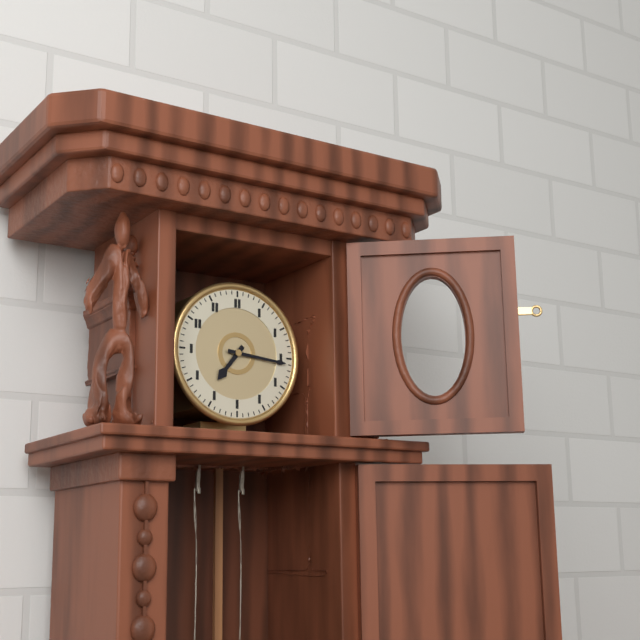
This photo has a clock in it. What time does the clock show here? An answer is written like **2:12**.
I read **7:16**
